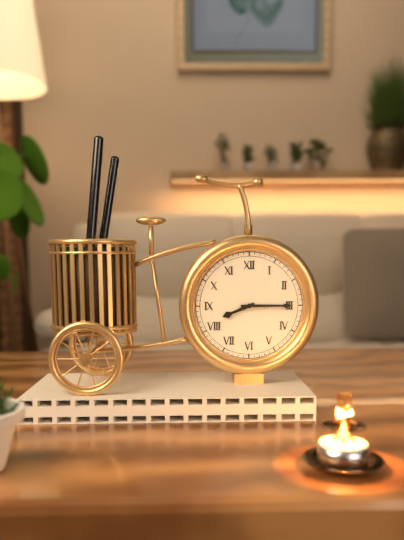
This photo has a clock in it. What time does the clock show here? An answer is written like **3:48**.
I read **8:15**
